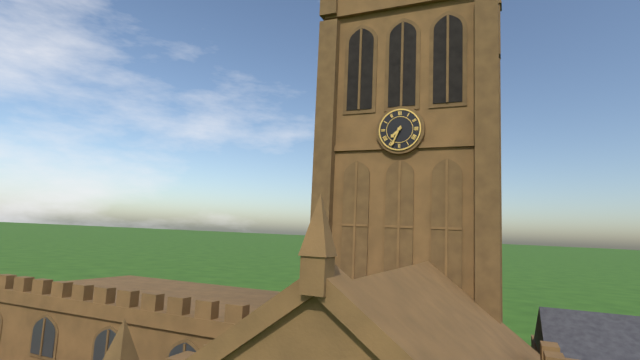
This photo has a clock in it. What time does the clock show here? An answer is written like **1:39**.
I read **7:34**
